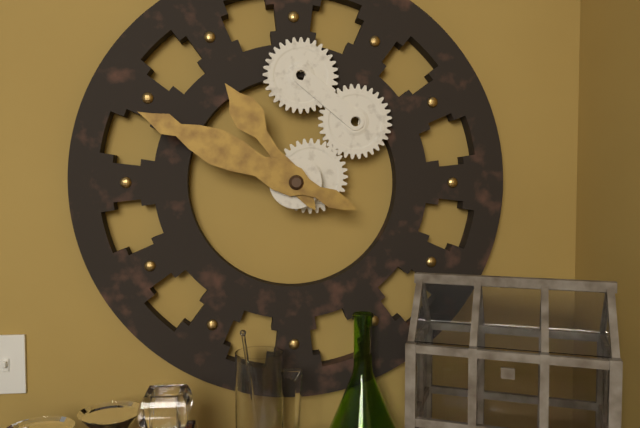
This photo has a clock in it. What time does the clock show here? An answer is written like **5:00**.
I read **10:49**
